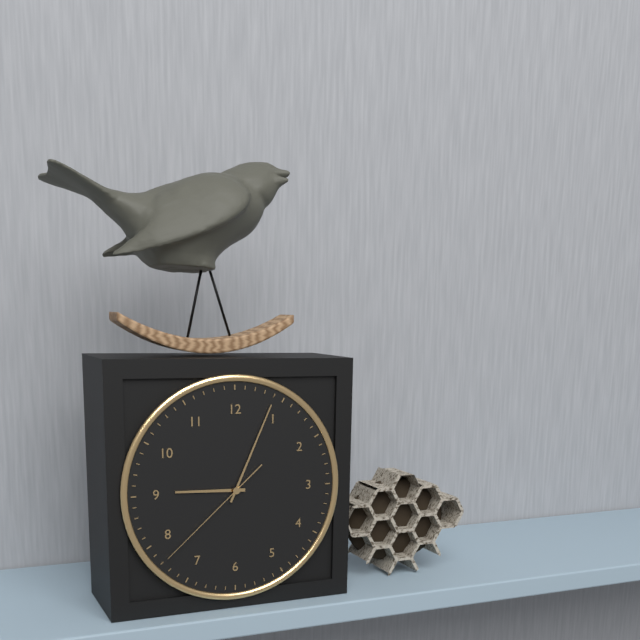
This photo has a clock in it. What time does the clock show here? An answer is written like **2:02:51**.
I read **9:04:38**
